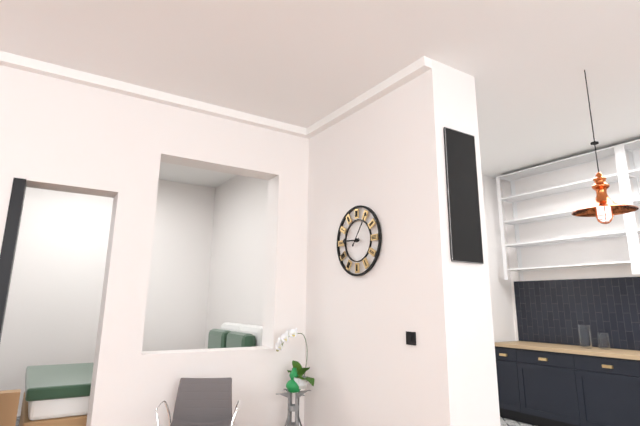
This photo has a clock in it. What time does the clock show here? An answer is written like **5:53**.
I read **9:06**
